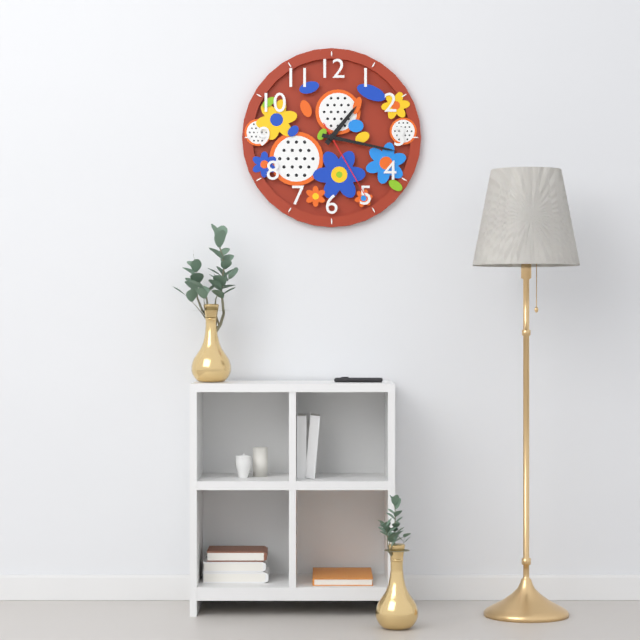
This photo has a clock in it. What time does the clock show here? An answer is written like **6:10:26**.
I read **1:17:25**
